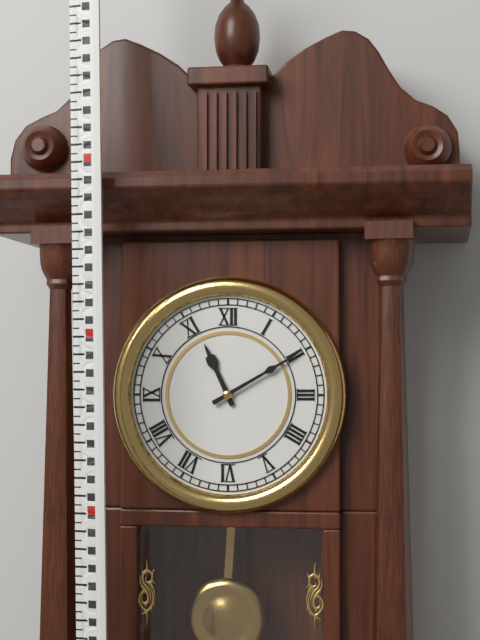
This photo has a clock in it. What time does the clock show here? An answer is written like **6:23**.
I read **11:10**
